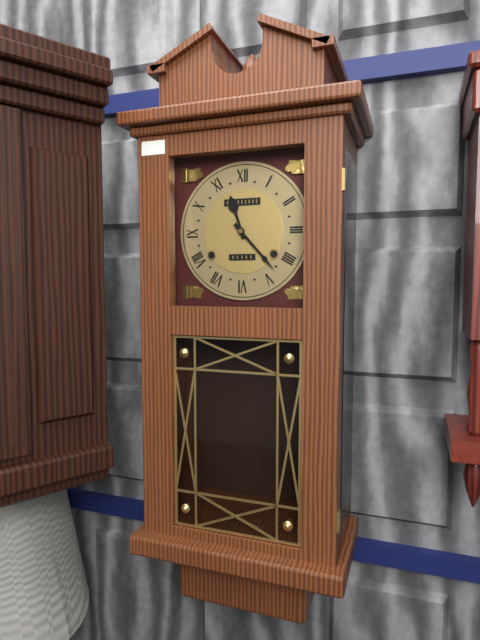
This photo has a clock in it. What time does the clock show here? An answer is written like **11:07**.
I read **11:23**
